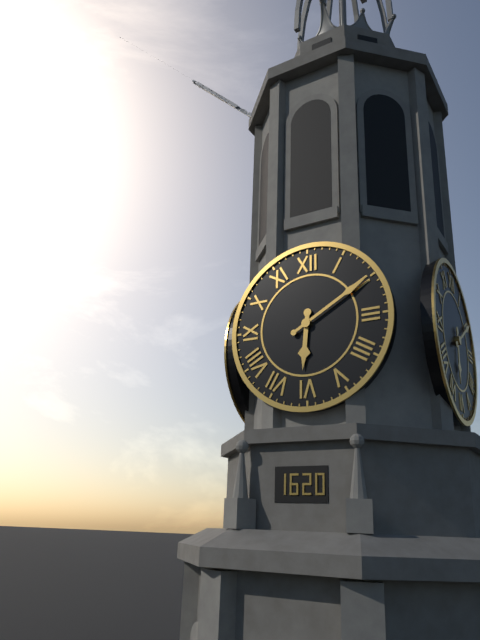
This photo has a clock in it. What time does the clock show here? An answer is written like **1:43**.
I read **6:10**
